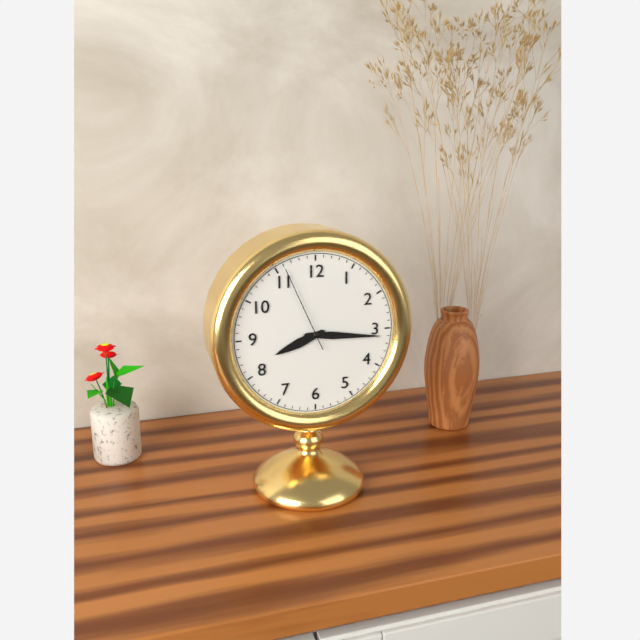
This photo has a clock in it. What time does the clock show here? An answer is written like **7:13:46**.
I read **8:16:56**
